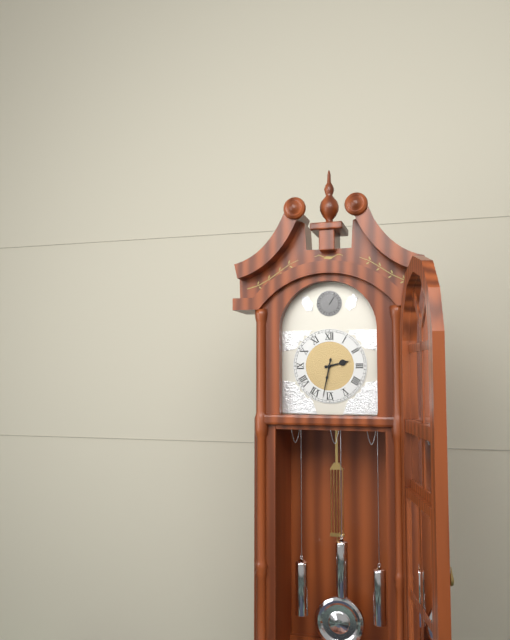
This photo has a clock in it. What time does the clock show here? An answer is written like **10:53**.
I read **2:32**
